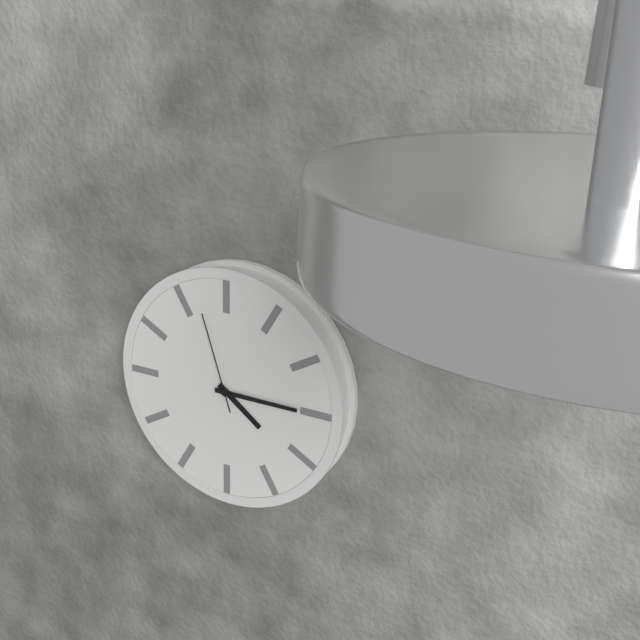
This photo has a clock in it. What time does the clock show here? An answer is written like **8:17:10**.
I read **4:15:57**
